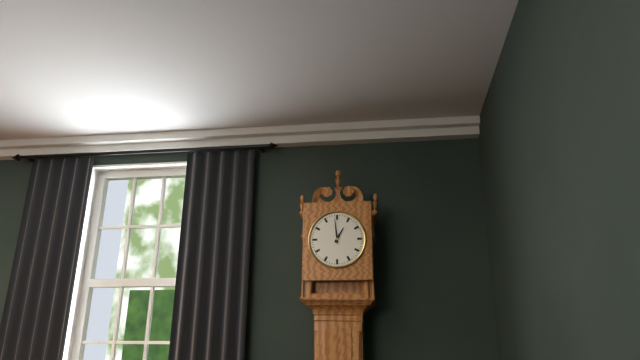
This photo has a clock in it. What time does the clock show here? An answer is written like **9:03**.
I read **12:59**
